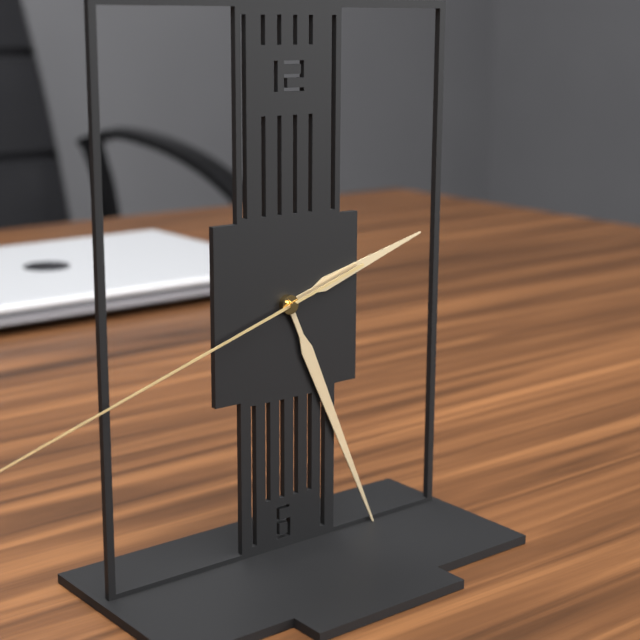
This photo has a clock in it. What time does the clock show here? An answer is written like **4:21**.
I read **2:26**
